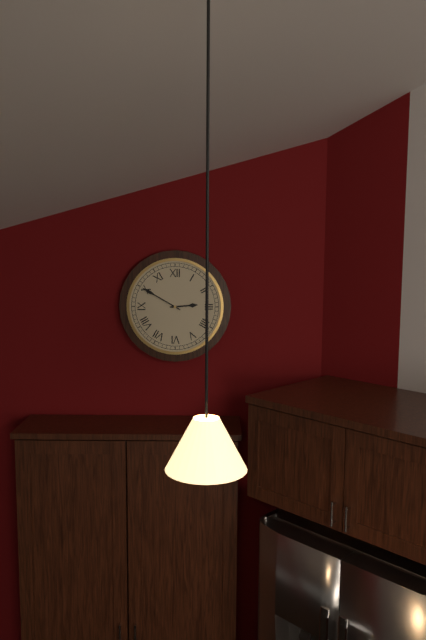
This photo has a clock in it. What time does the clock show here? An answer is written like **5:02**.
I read **2:50**
